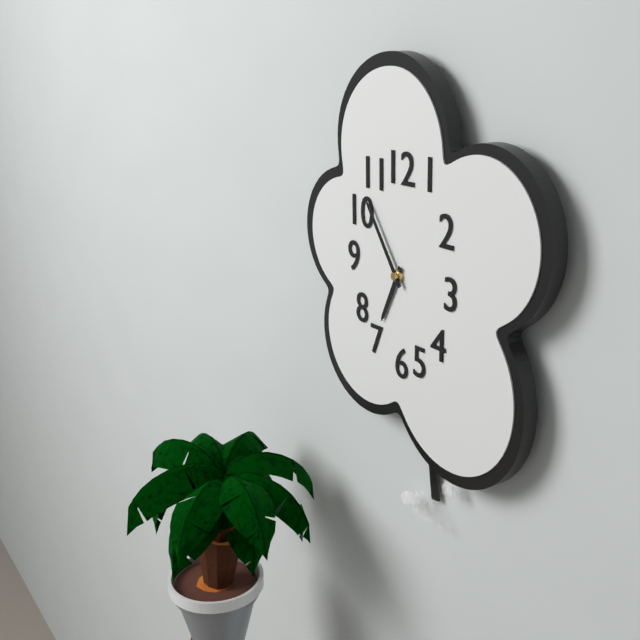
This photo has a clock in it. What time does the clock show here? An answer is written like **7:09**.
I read **6:54**
